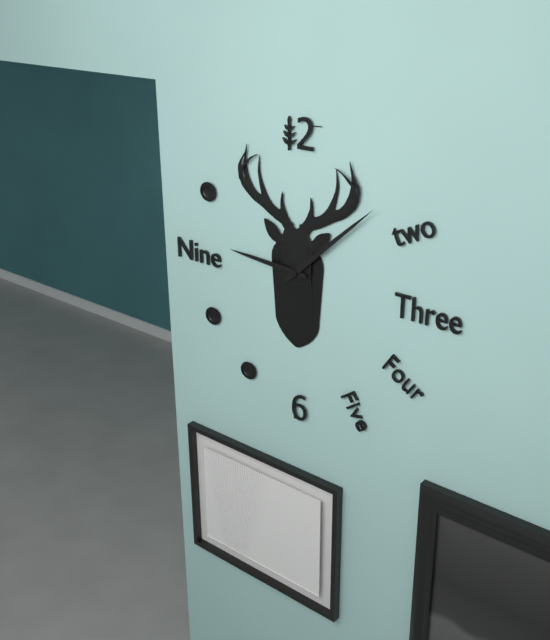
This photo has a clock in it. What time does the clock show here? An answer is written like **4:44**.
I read **9:08**
